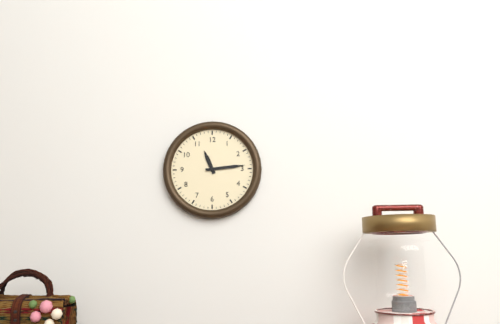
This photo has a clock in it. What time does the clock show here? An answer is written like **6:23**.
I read **11:14**
